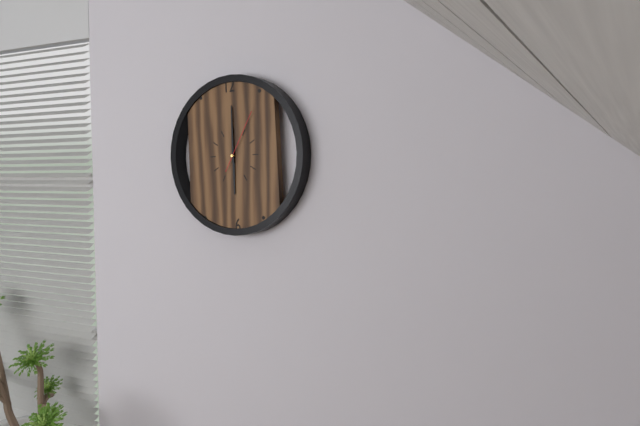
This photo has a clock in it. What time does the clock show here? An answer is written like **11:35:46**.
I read **6:00:05**
